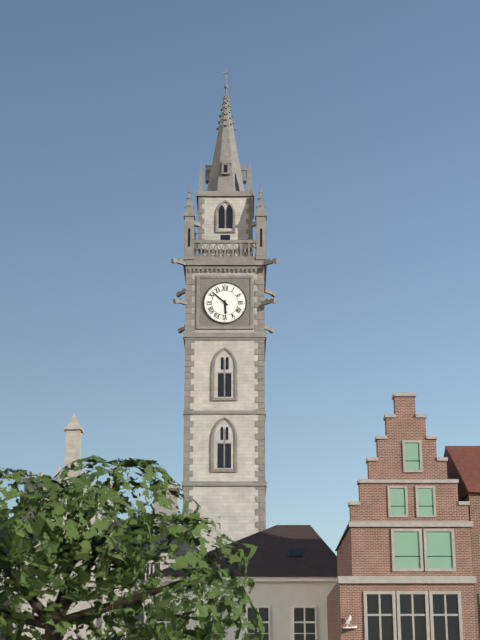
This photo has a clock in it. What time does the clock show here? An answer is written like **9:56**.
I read **5:52**
